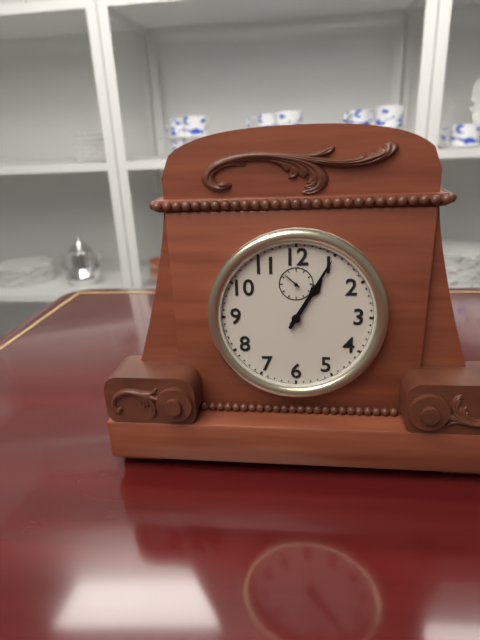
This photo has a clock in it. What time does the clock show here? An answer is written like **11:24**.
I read **1:05**
